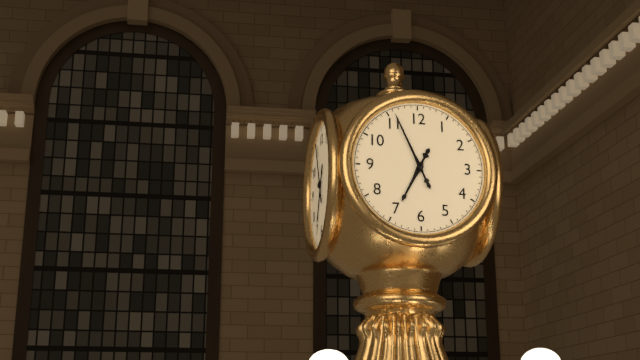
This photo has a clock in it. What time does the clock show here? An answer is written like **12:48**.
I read **6:56**
